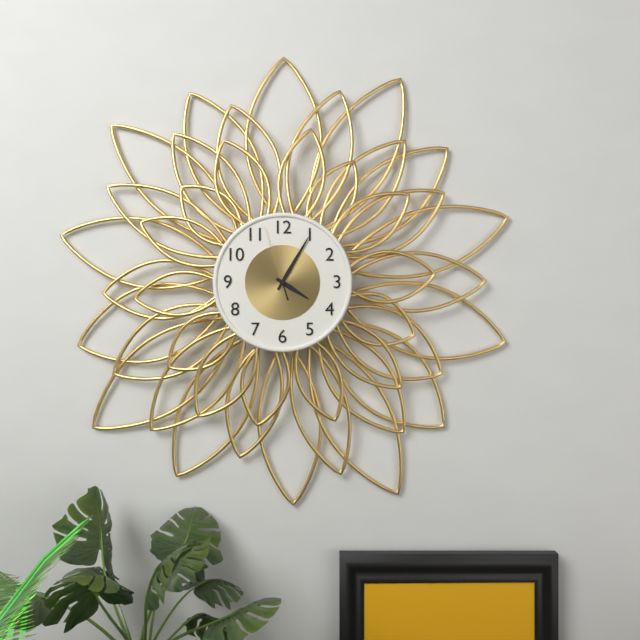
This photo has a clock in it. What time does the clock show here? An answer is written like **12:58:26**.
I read **4:05:57**
